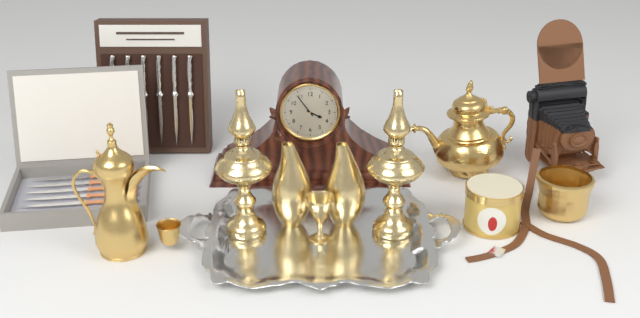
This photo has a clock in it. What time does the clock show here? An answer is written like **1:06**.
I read **3:54**
